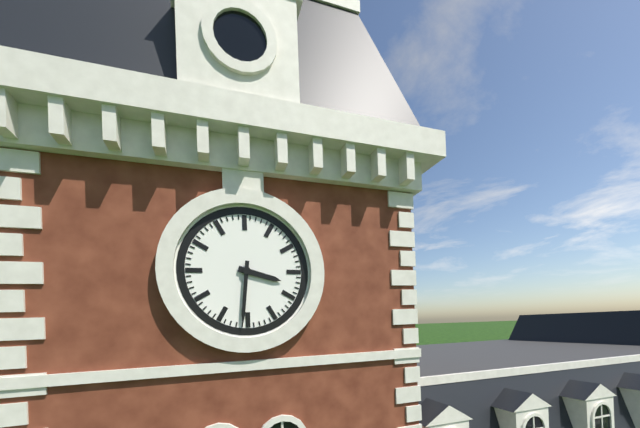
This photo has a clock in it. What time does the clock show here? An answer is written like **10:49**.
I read **3:31**
